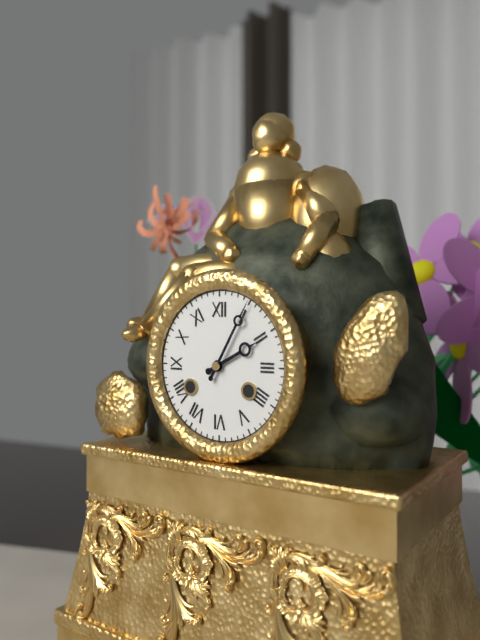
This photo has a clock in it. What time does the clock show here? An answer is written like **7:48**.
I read **2:05**
